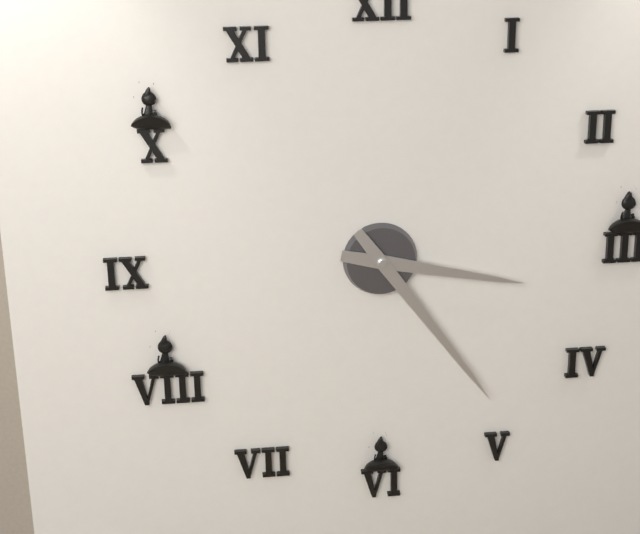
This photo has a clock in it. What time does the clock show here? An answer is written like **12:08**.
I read **3:24**
